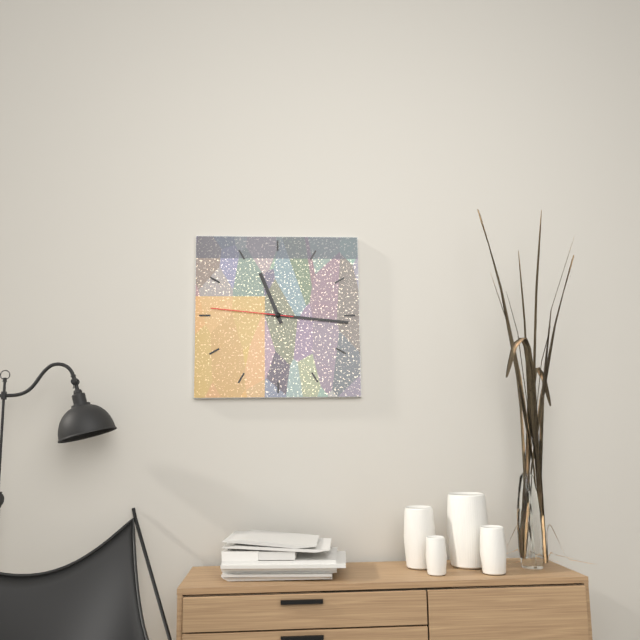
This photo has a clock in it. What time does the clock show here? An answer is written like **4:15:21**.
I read **11:16:46**
